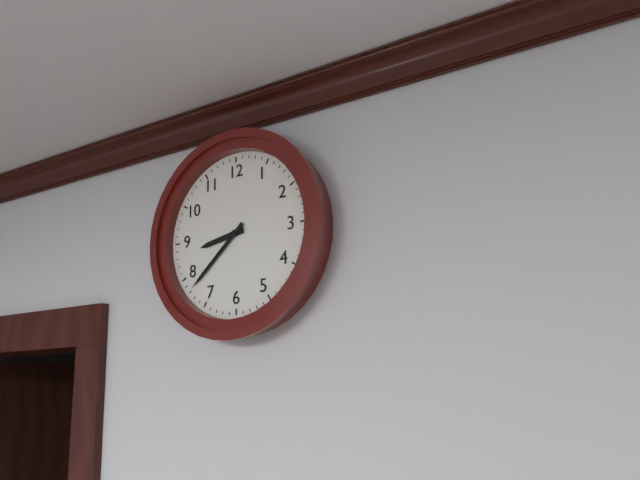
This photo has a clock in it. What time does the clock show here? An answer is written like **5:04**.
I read **8:38**
